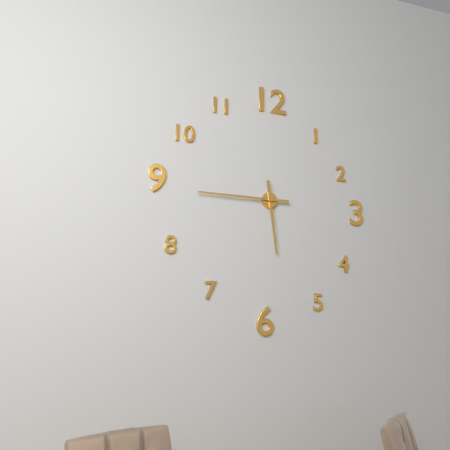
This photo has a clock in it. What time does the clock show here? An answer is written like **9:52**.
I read **5:45**
